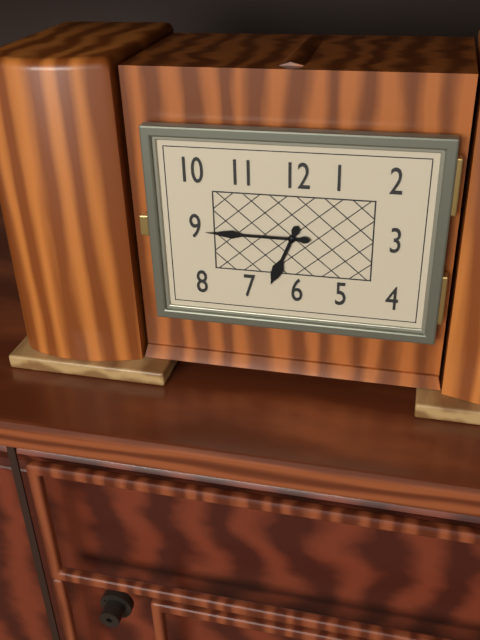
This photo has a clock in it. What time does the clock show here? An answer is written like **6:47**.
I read **6:45**
